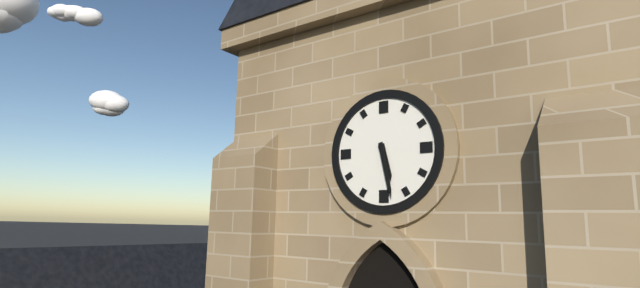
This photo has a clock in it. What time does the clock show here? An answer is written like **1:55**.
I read **5:28**
